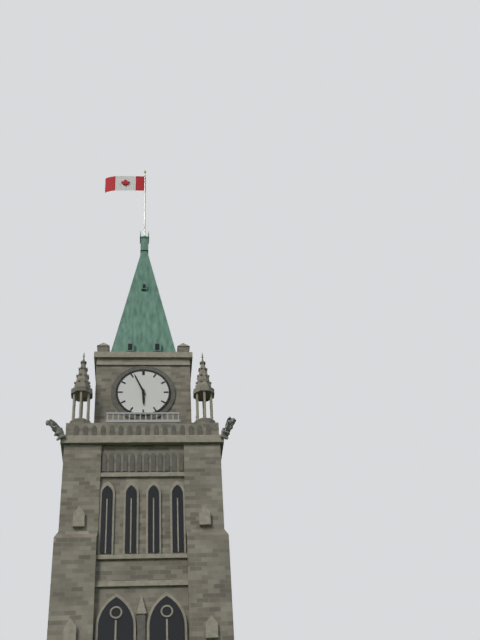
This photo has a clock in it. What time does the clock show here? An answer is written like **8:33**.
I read **5:56**
